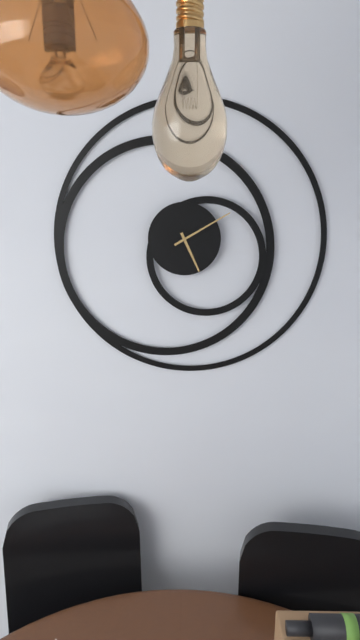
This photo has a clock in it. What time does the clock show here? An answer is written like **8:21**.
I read **5:10**
